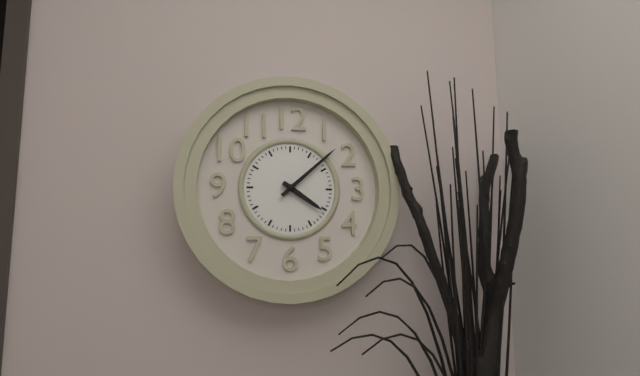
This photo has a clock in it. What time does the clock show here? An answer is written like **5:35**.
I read **4:08**
